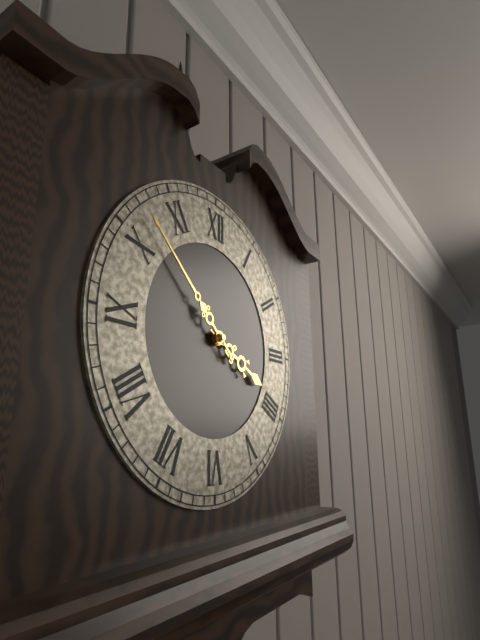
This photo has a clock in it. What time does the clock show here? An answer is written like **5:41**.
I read **3:52**
